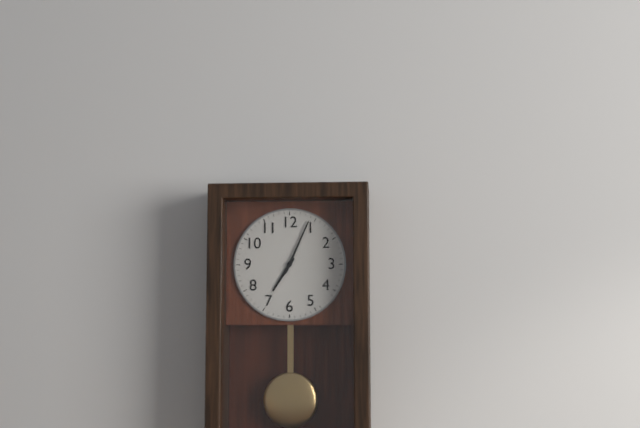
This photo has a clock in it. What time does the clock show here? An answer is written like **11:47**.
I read **7:04**
